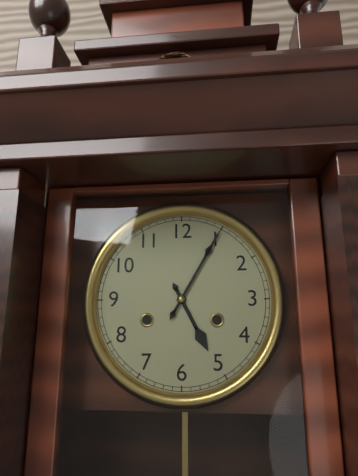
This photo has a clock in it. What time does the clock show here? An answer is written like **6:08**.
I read **5:05**
